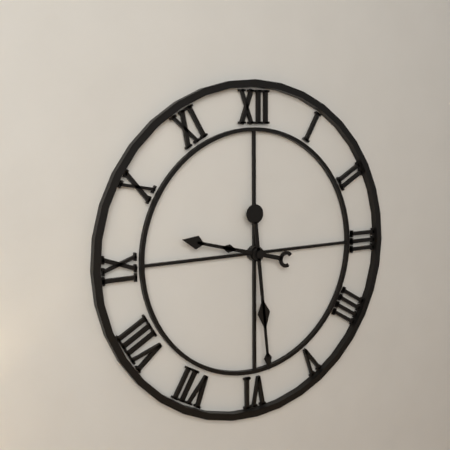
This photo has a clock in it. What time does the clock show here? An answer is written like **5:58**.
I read **9:29**
